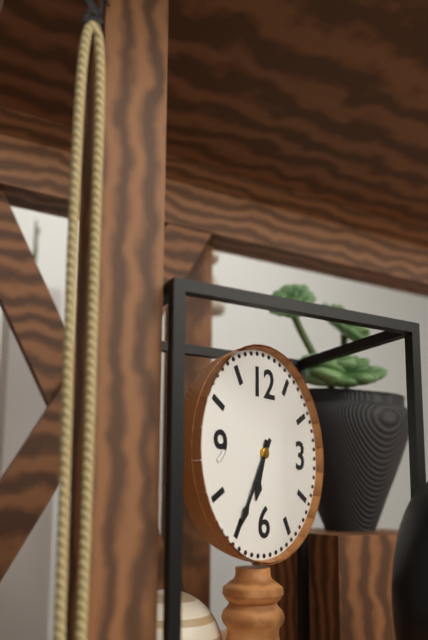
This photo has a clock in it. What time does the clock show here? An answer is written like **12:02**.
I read **6:35**
